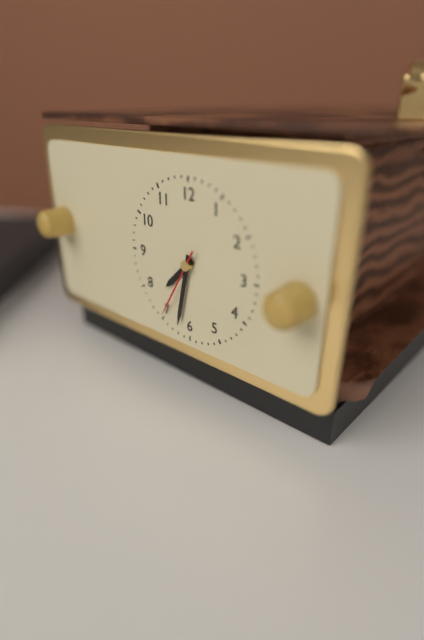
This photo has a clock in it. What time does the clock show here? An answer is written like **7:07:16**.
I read **7:32:35**
